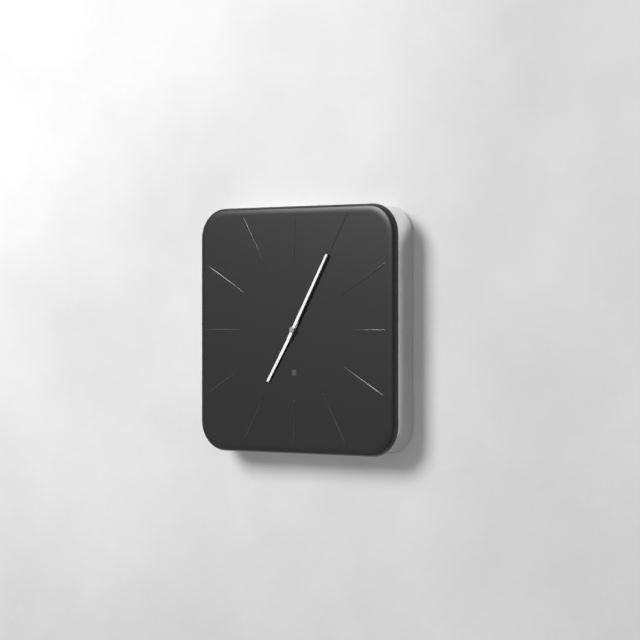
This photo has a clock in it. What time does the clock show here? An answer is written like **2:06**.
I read **7:05**
